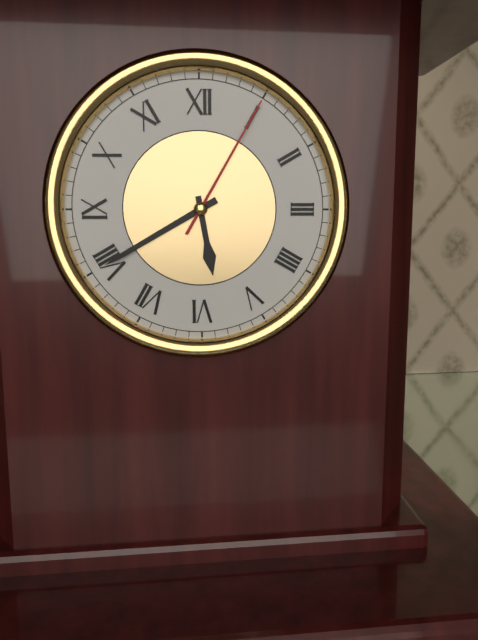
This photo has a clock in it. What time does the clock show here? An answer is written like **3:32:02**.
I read **5:40:05**
